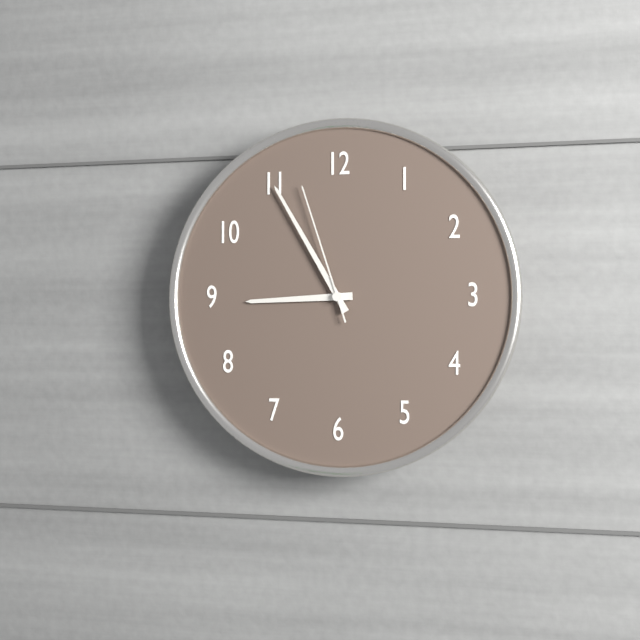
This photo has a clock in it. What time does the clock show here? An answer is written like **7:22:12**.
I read **8:55:57**
